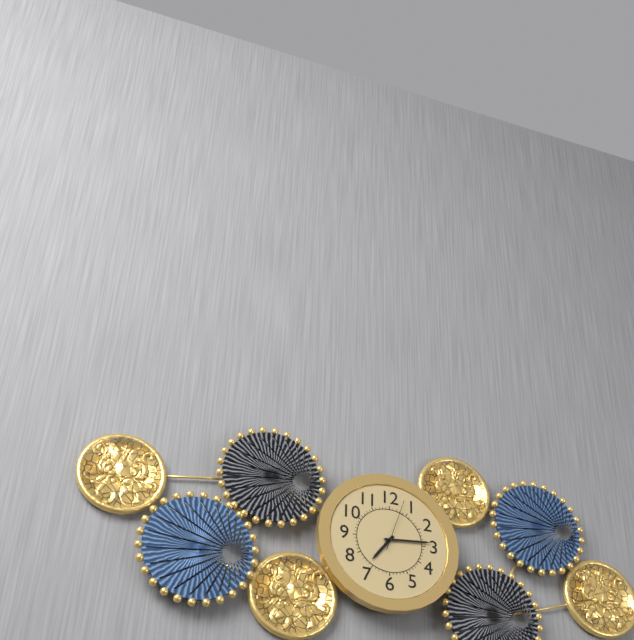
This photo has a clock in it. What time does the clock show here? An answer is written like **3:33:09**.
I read **7:14:03**
